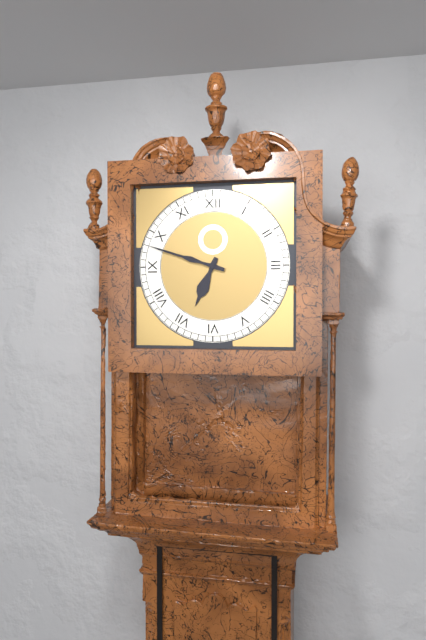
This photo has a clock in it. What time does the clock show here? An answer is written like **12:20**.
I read **6:48**
